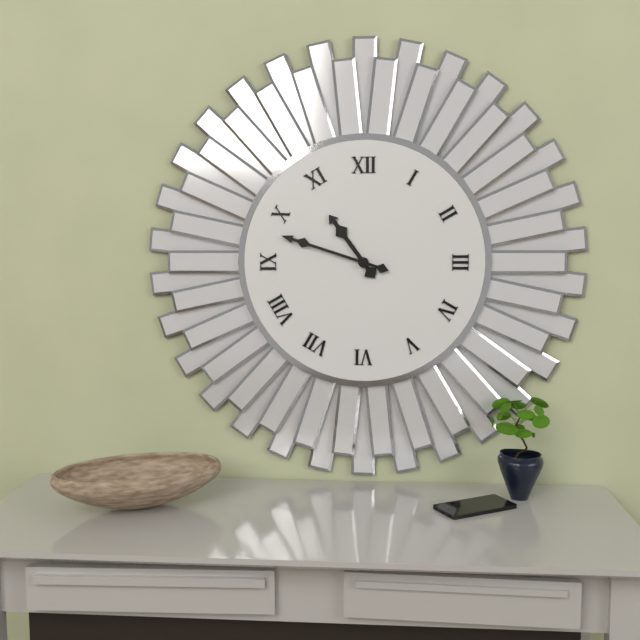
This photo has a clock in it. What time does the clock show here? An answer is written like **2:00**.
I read **10:48**
